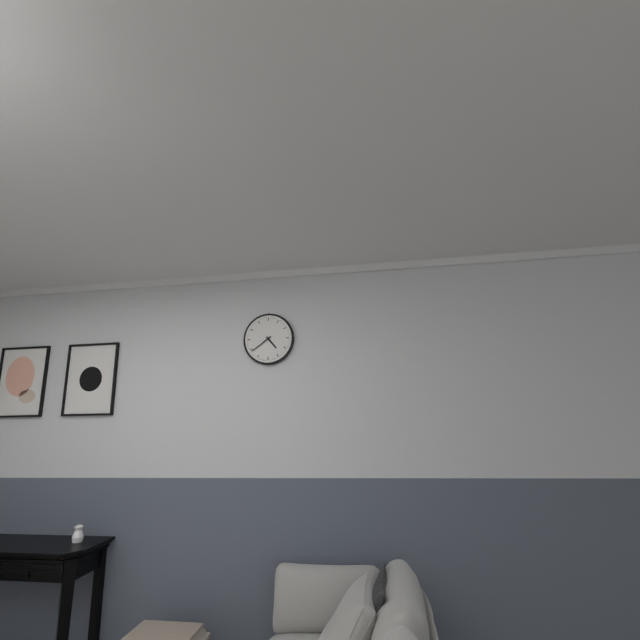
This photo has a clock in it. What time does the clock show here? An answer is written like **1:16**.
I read **4:39**
